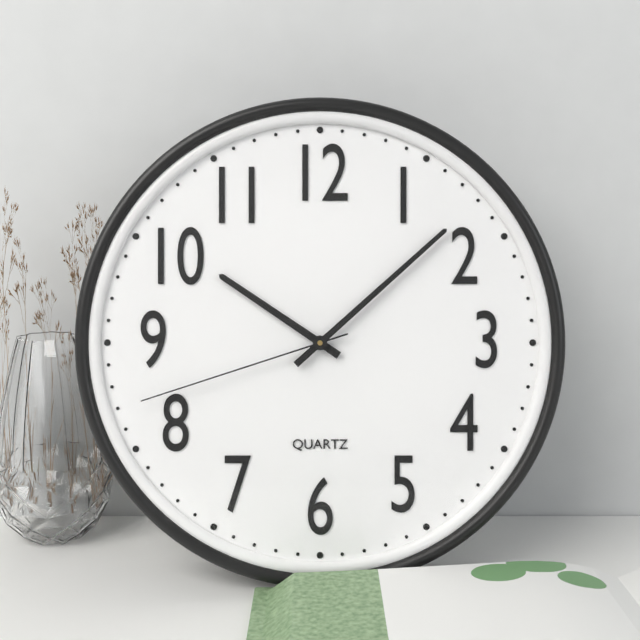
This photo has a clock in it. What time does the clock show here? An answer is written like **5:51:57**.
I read **10:08:42**
